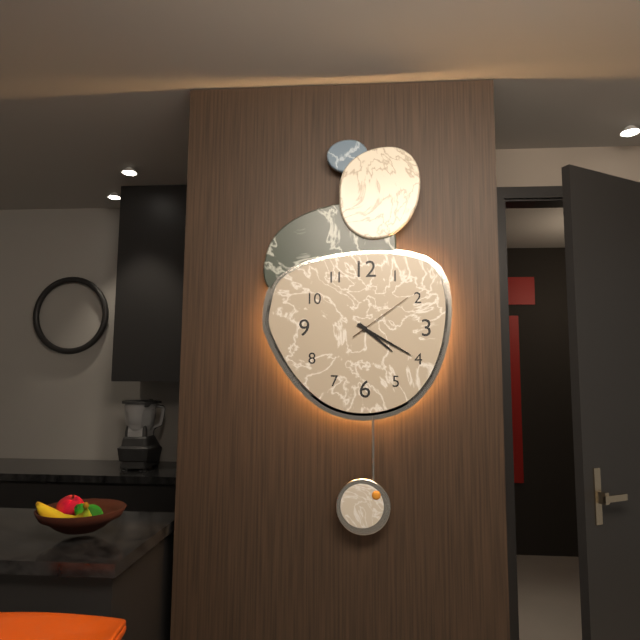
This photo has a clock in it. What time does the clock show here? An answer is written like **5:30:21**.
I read **4:20:09**
